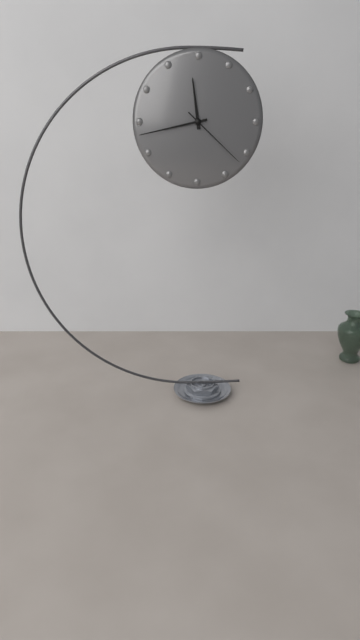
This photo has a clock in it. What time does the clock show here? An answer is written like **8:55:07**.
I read **11:43:22**
